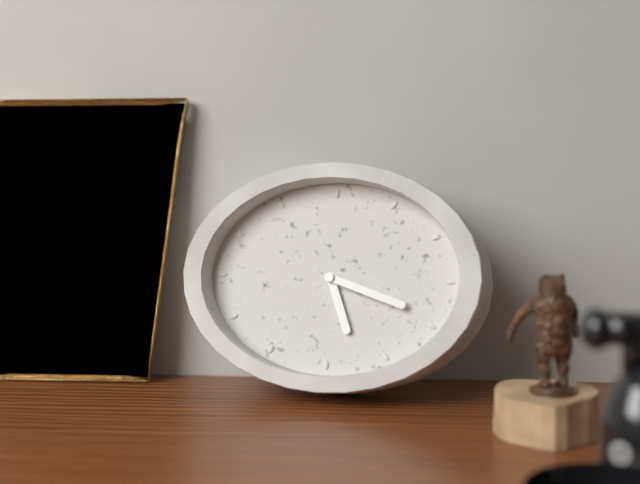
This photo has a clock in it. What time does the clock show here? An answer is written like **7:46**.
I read **5:18**
